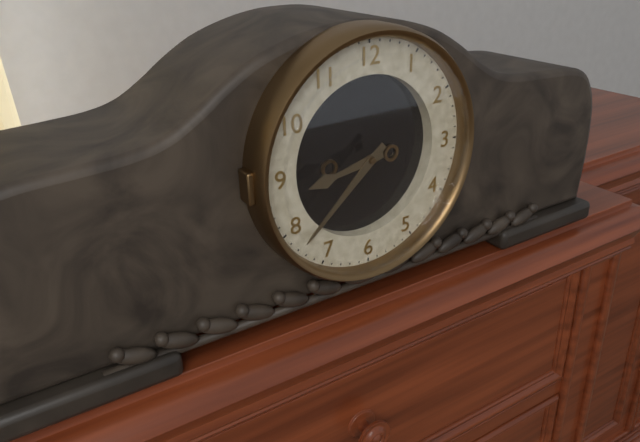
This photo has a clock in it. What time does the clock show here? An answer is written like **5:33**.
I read **8:38**
